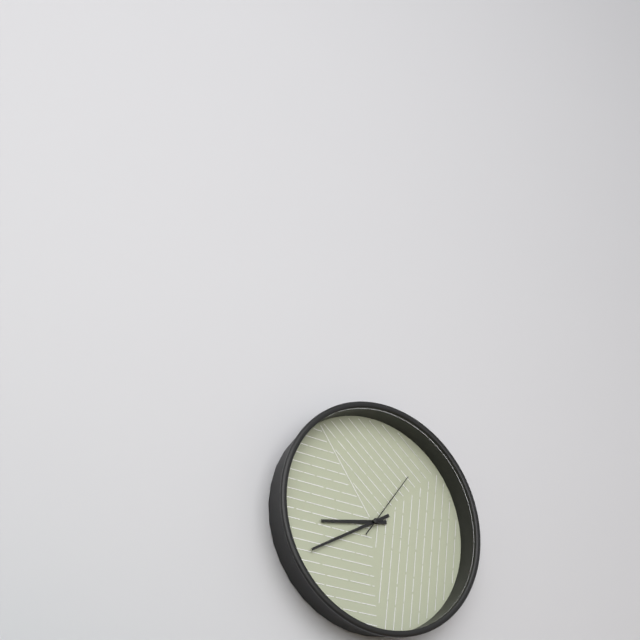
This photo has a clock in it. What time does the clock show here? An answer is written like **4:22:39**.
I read **8:40:06**
